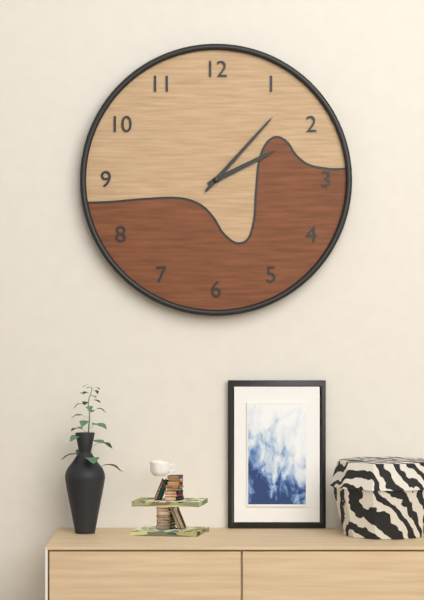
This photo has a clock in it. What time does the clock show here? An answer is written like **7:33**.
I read **2:07**
